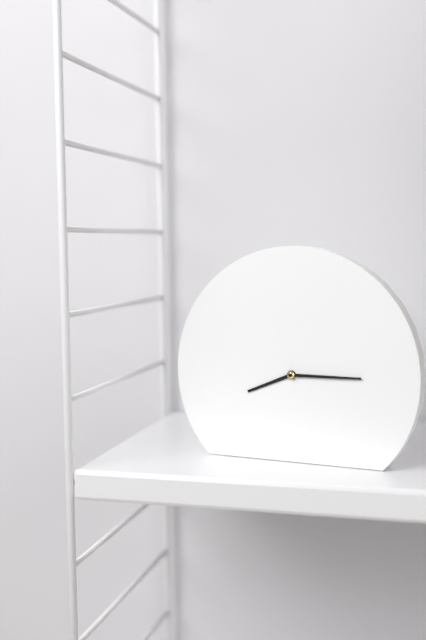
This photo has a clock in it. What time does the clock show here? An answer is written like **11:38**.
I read **8:15**
